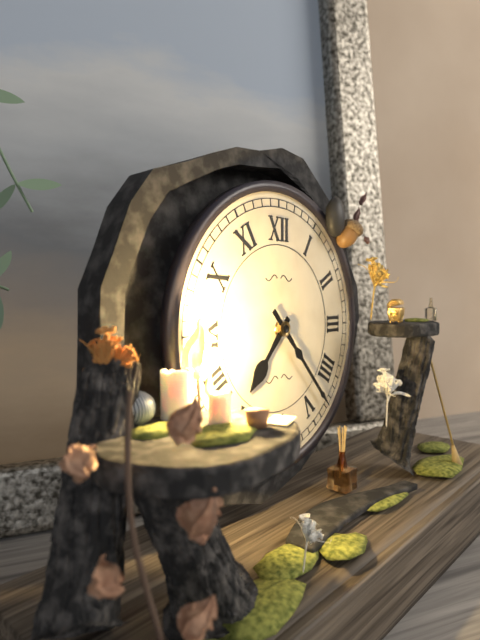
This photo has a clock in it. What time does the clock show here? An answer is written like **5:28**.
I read **7:23**
